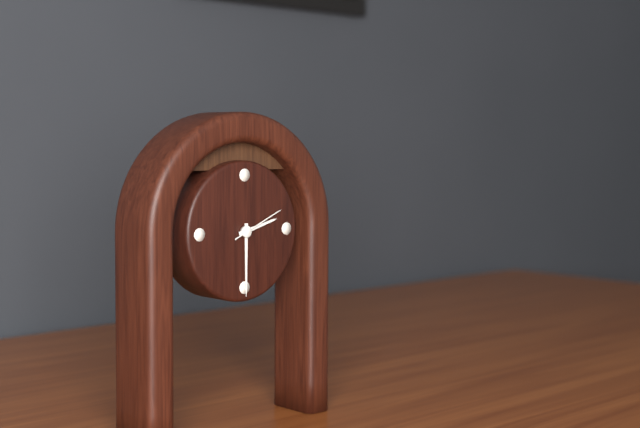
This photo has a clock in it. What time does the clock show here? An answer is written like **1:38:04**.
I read **2:30:11**
